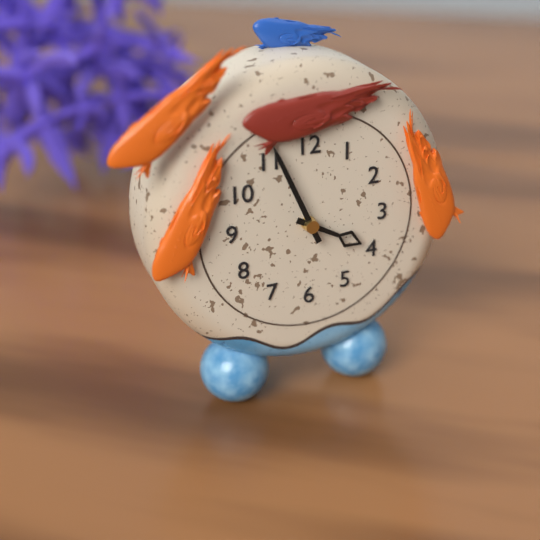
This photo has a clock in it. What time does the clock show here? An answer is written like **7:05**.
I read **3:56**
